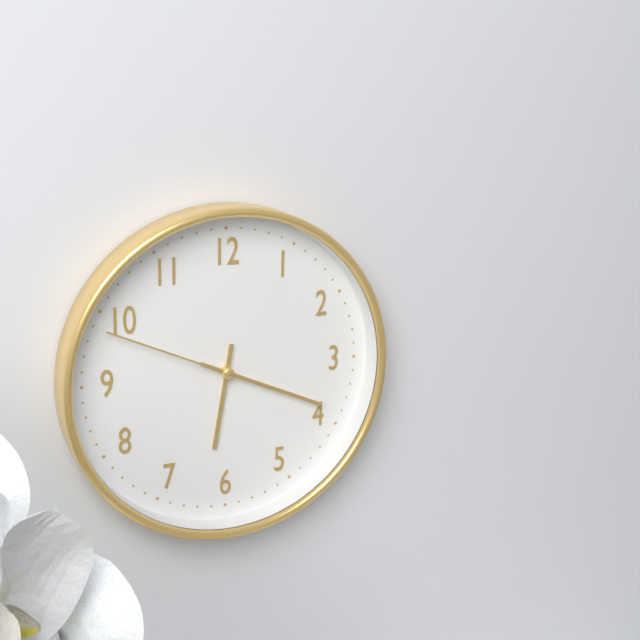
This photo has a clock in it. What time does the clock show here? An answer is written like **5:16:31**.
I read **6:19:49**
